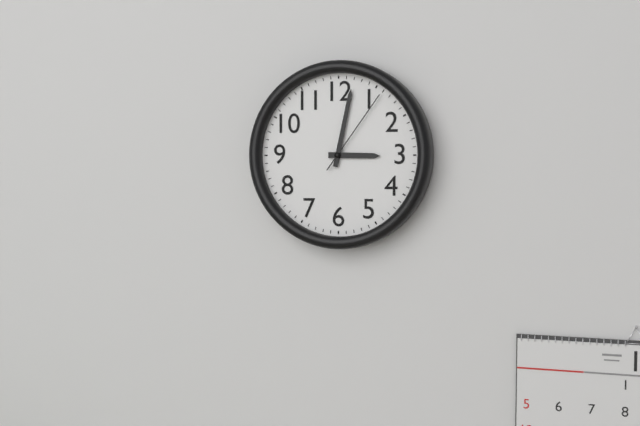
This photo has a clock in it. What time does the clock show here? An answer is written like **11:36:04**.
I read **3:02:06**
